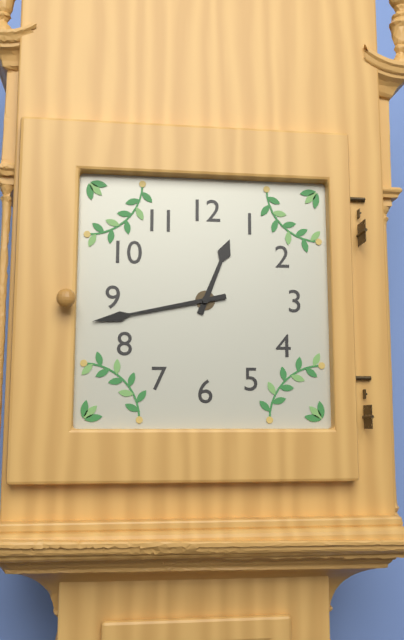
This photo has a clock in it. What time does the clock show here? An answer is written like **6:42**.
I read **12:43**
